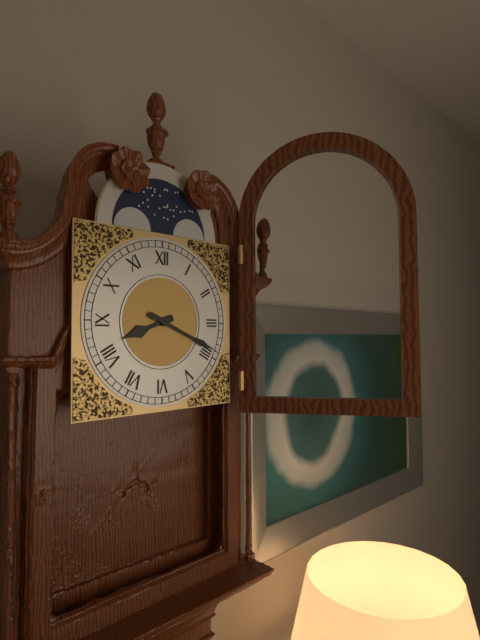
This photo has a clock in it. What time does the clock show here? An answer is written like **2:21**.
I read **8:19**
